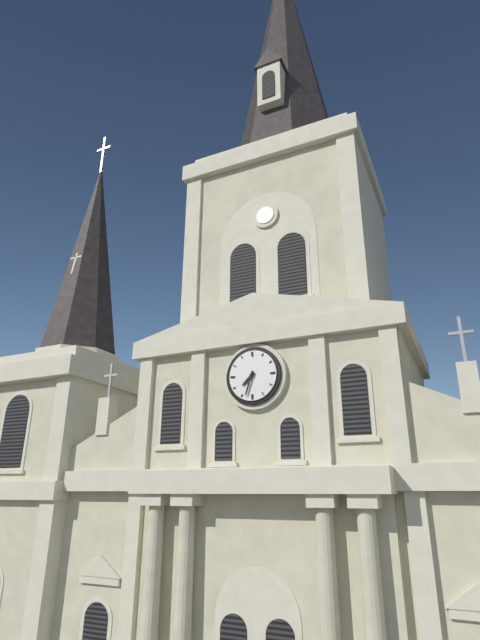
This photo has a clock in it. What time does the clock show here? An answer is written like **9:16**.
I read **7:33**
